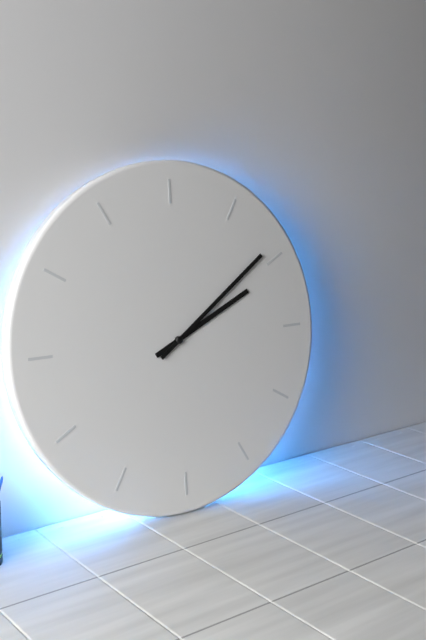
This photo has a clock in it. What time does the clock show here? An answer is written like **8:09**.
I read **2:09**
